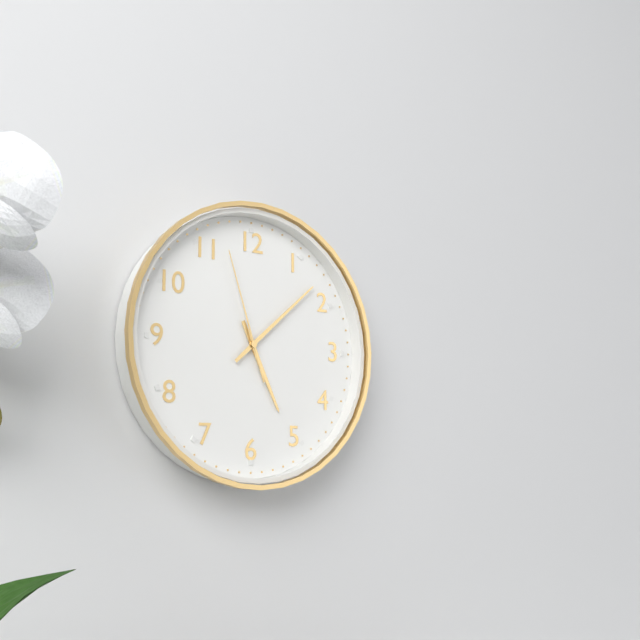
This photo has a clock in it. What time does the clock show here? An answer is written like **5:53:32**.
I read **5:08:57**
